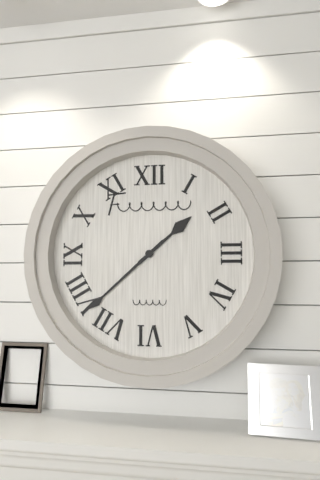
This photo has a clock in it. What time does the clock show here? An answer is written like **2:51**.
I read **1:38**
